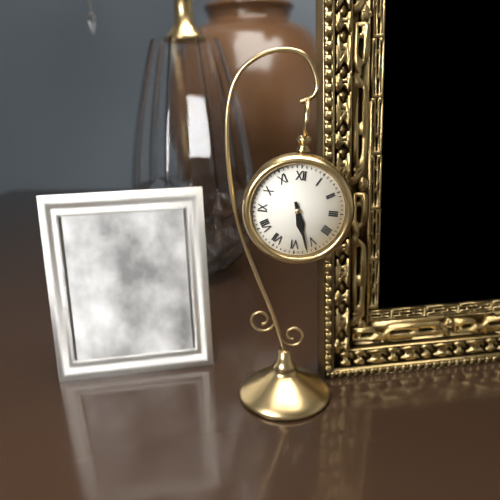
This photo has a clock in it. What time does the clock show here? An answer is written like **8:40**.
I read **5:27**
